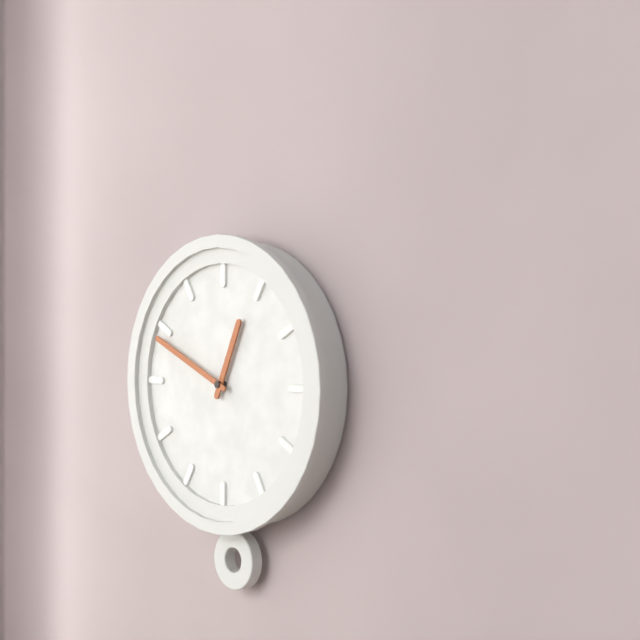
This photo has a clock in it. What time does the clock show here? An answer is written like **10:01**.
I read **12:49**
